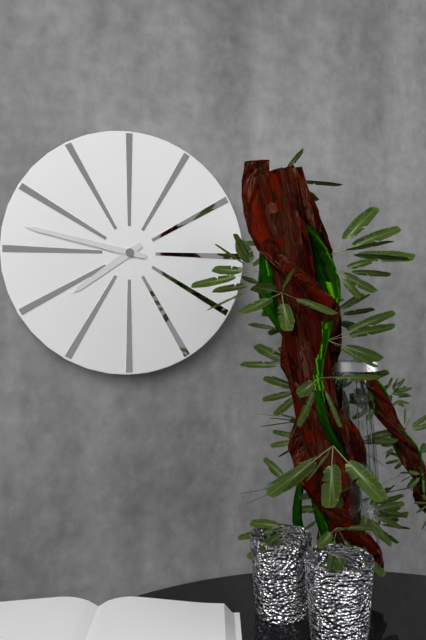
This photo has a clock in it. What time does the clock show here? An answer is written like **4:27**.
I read **7:47**
